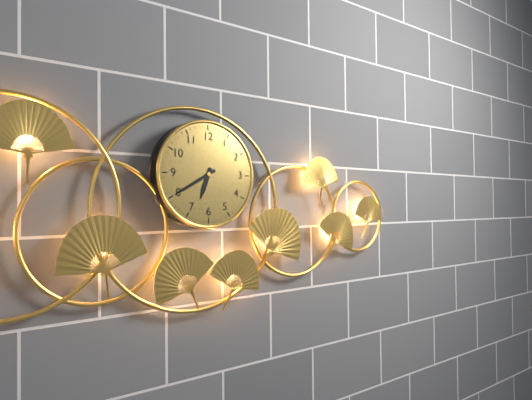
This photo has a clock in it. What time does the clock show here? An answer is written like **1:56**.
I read **6:40**
